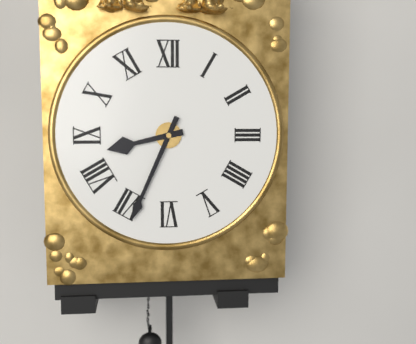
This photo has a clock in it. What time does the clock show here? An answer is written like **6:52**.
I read **8:34**
